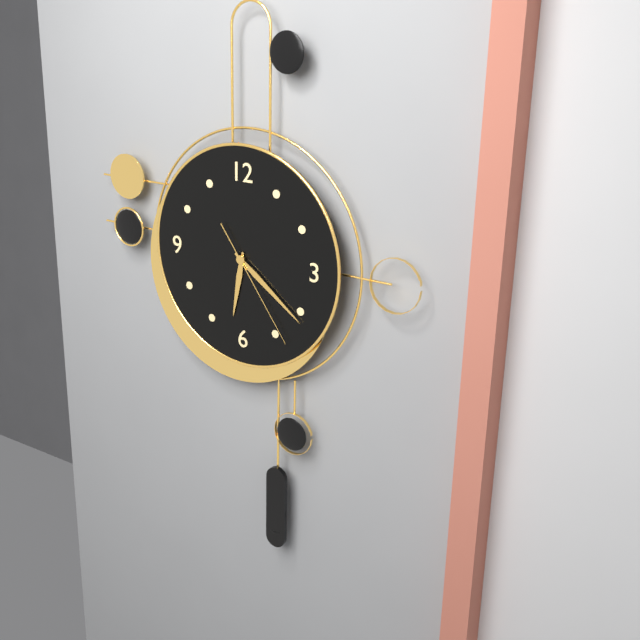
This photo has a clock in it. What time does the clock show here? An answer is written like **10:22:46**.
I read **6:21:24**
